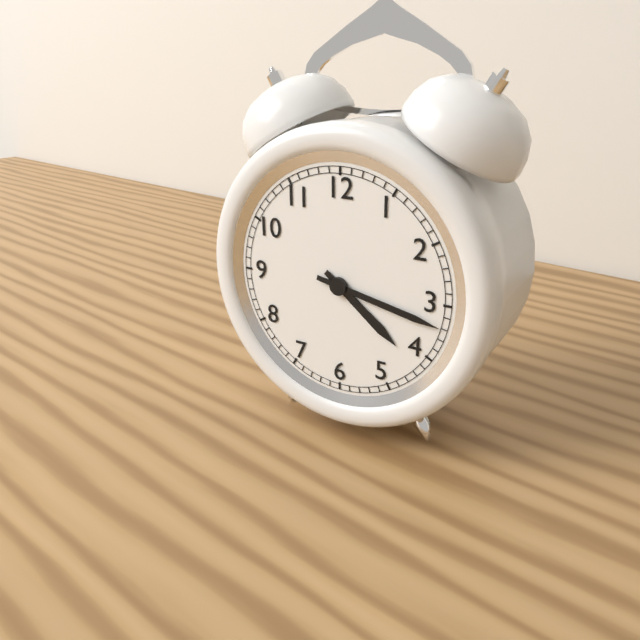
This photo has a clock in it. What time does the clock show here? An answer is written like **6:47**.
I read **4:17**
